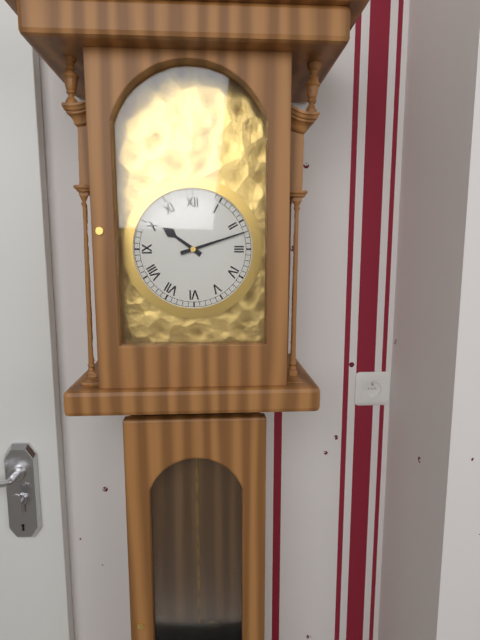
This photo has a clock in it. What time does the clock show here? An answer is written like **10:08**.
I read **10:12**
